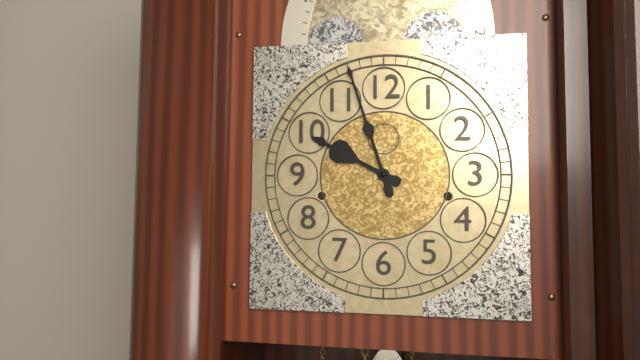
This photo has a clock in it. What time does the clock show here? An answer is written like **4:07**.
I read **9:57**
